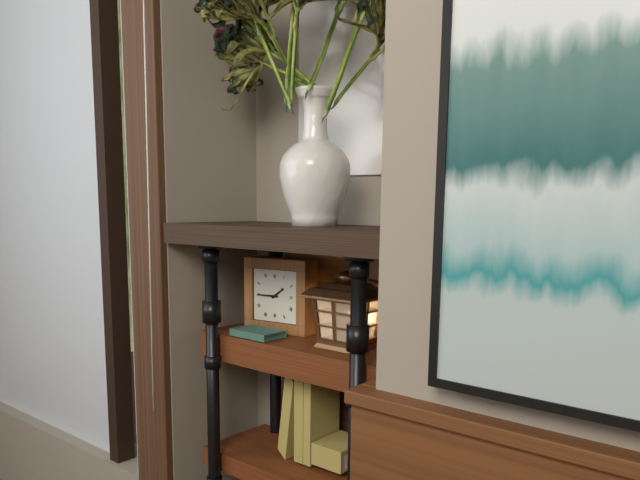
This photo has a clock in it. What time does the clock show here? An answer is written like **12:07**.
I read **1:45**
